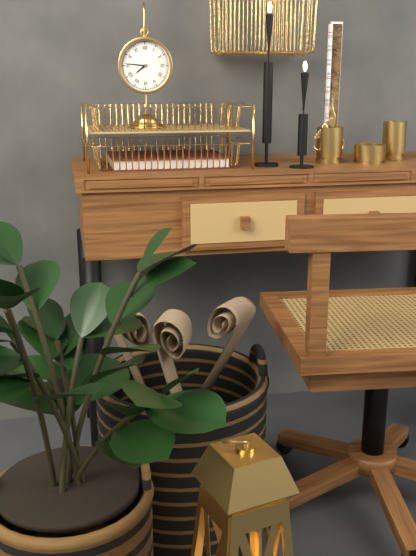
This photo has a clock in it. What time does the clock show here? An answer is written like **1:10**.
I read **7:46**
